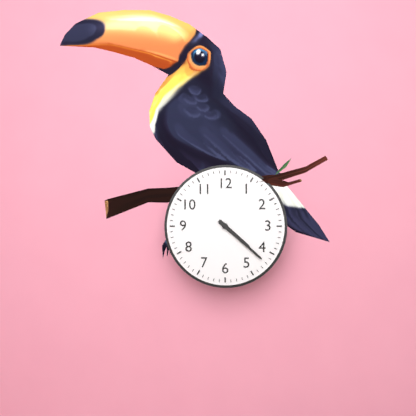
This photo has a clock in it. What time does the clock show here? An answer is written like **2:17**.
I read **4:22**
